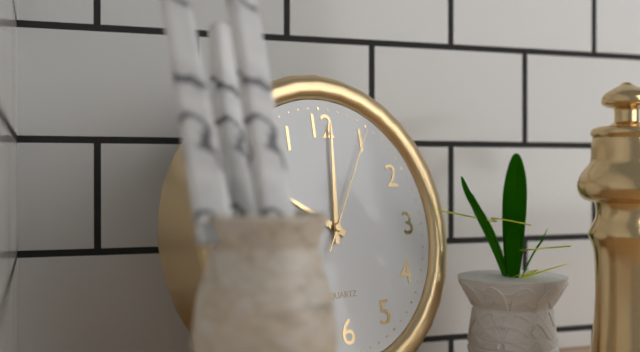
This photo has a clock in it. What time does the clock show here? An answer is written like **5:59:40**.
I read **10:01:05**
